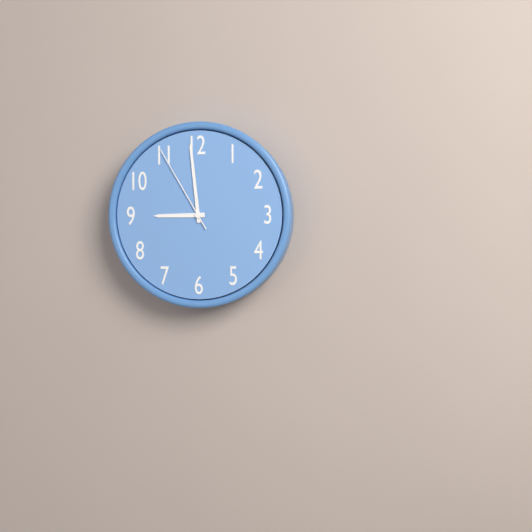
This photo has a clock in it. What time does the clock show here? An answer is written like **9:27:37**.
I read **8:59:55**
